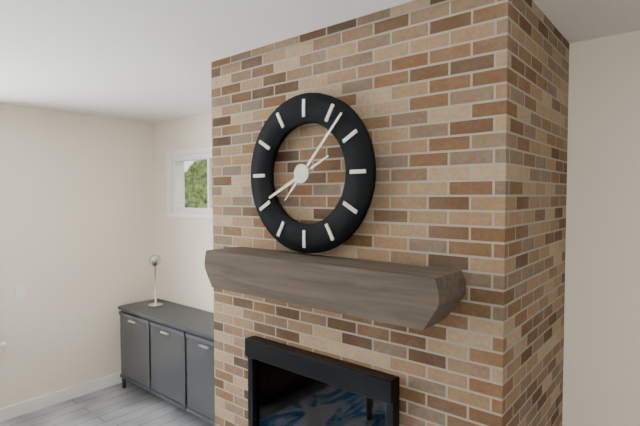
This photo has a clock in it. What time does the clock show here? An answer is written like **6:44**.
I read **8:07**
